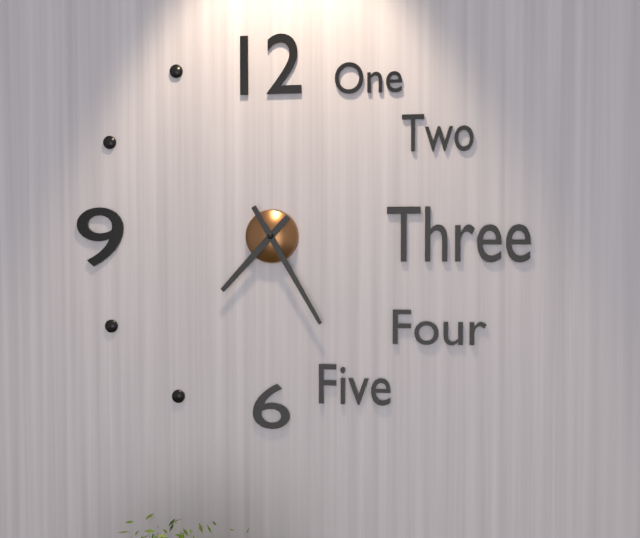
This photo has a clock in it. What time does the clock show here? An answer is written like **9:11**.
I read **7:25**
